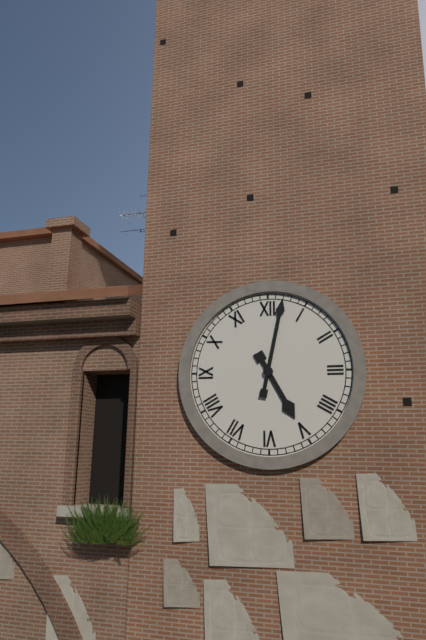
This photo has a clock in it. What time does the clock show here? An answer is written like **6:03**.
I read **5:02**
